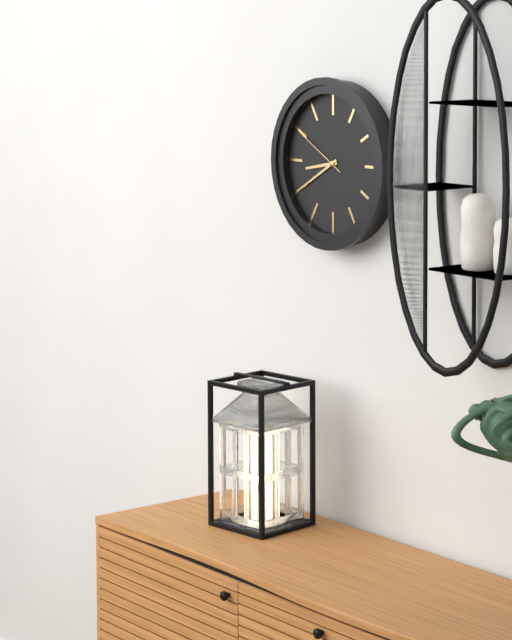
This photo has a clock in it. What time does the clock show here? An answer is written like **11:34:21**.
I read **8:40:50**
